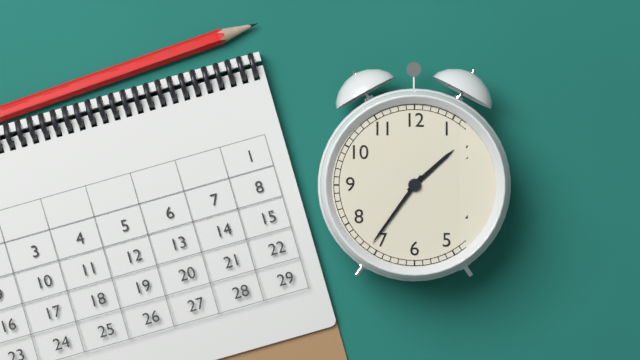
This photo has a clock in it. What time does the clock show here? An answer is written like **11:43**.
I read **1:36**
